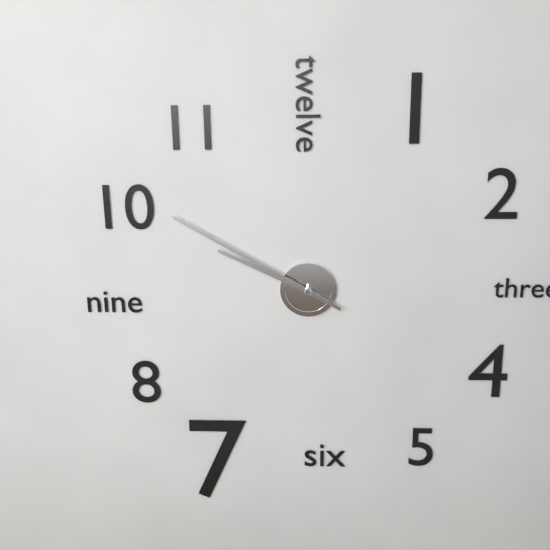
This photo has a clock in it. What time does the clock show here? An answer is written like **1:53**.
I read **9:50**
